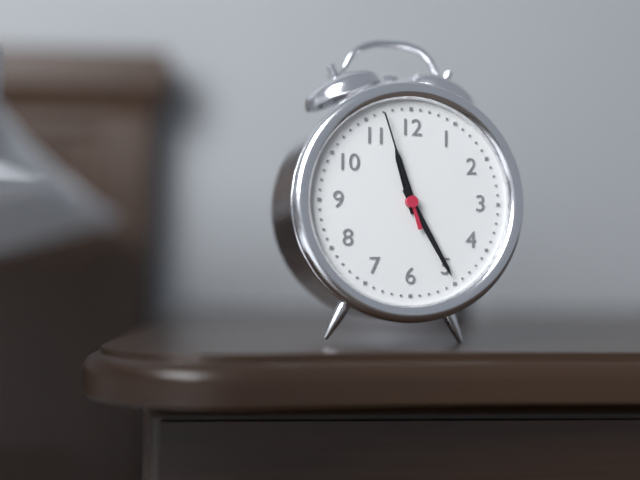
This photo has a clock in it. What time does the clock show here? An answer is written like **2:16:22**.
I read **11:25:57**
